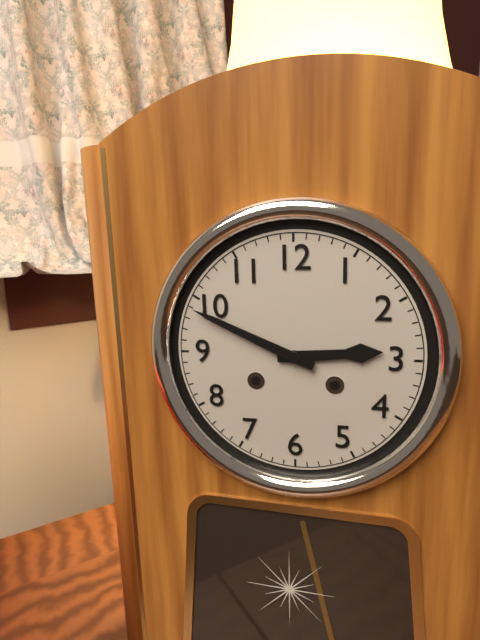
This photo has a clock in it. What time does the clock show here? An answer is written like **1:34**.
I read **2:49**
